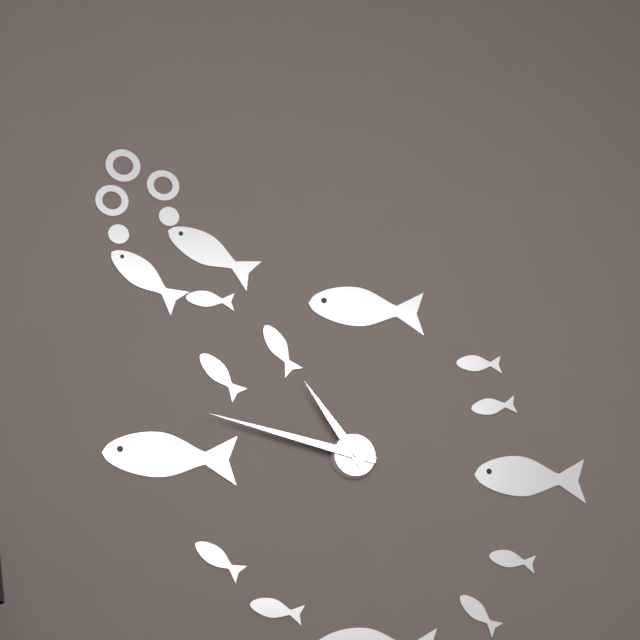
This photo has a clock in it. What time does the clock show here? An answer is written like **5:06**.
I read **10:47**
